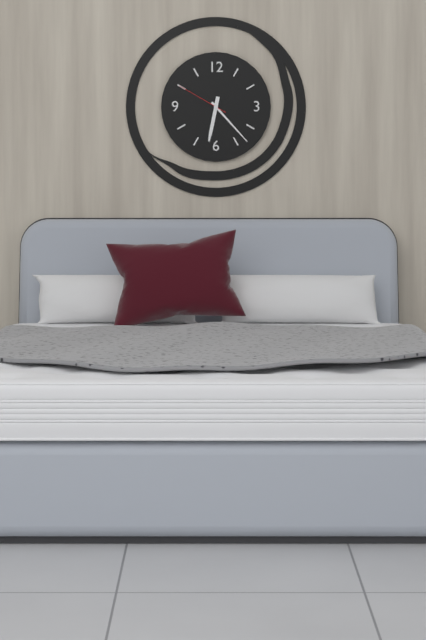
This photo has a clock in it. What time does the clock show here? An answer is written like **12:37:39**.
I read **6:23:50**
